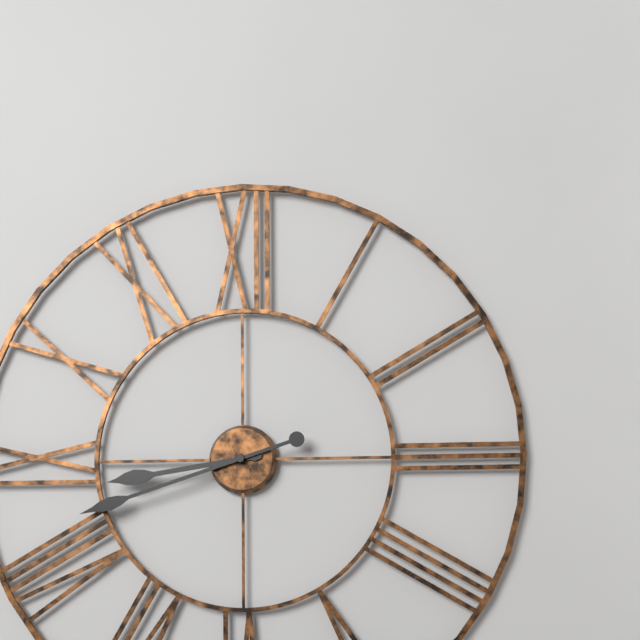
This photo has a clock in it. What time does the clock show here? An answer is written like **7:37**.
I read **8:42**
